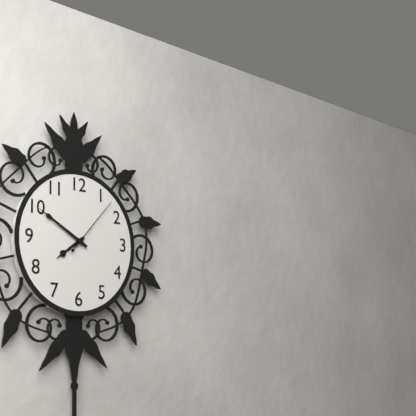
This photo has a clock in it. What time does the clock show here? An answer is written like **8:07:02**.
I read **7:50:07**
